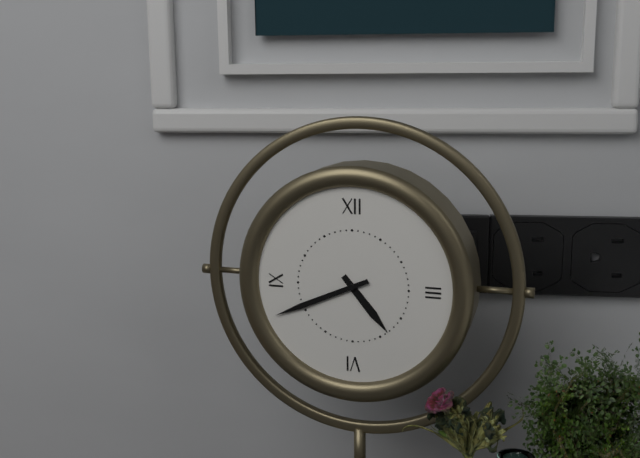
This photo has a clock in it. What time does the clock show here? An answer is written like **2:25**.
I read **4:41**
